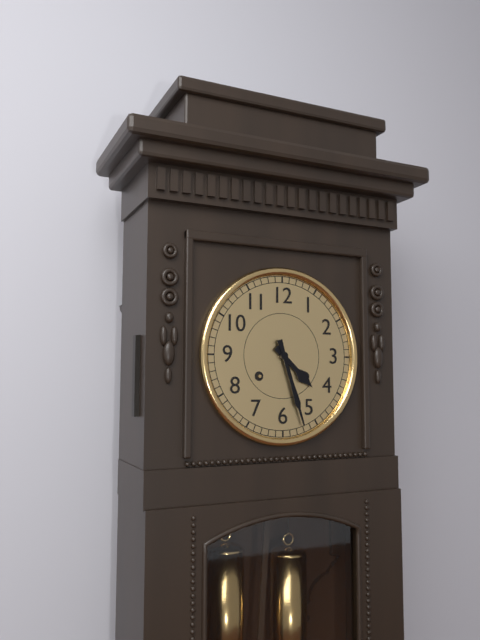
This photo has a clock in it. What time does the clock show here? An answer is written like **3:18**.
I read **4:27**
